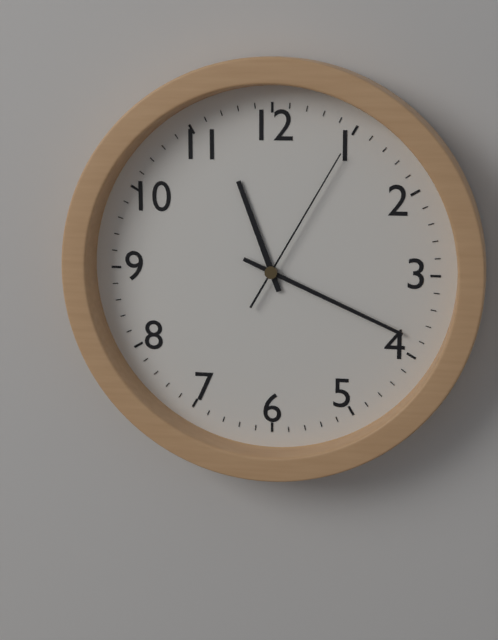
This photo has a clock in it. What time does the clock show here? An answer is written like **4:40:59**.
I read **11:19:05**
